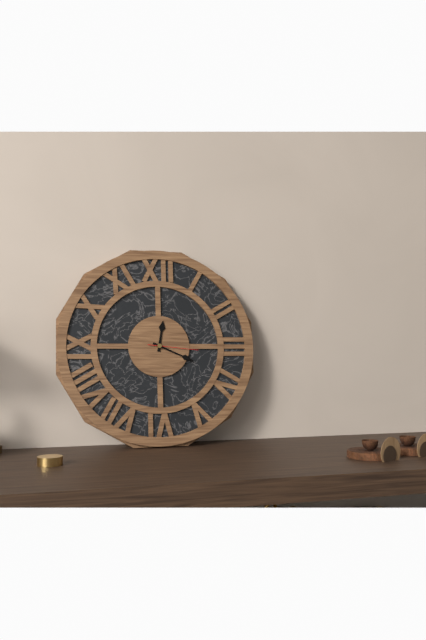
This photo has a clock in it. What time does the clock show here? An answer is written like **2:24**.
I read **12:19**
